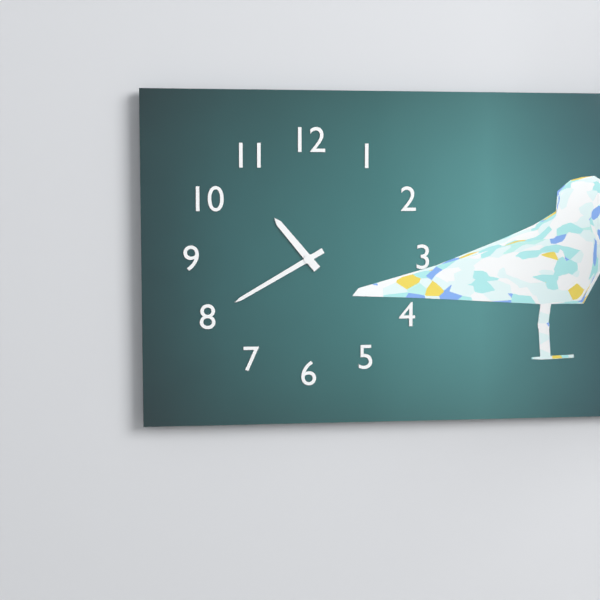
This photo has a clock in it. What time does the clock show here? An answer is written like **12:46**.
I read **10:40**
